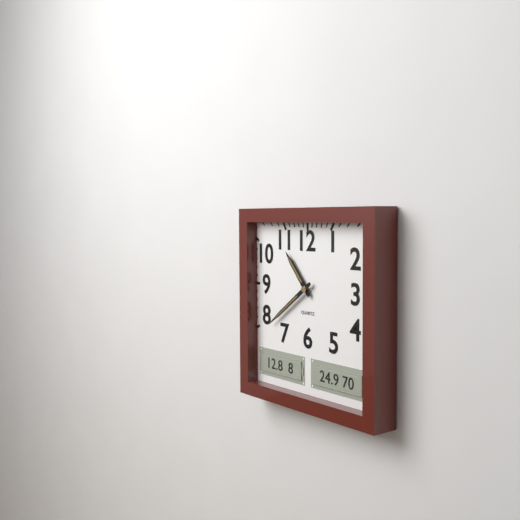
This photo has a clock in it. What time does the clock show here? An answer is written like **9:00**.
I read **10:39**
